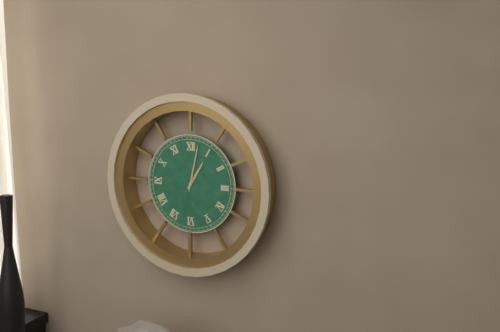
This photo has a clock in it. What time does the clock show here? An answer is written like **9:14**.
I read **1:02**
